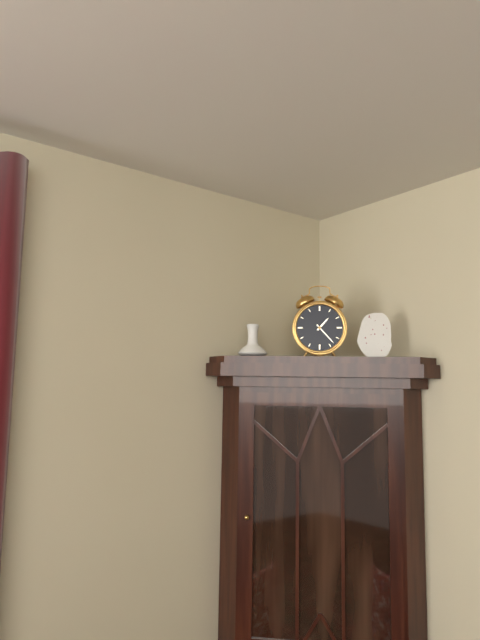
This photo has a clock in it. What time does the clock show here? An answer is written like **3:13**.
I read **1:23**
